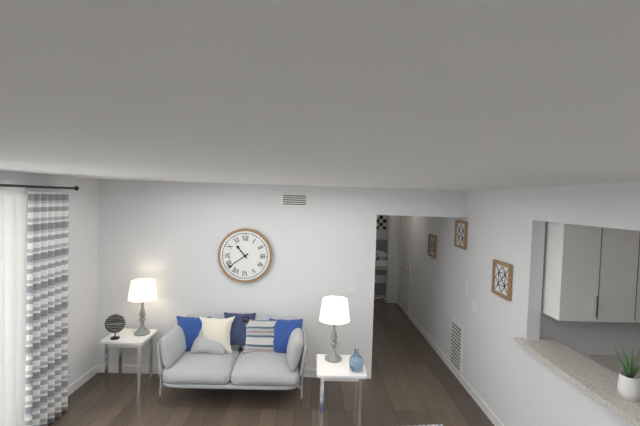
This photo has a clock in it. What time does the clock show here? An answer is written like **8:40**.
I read **10:39**
